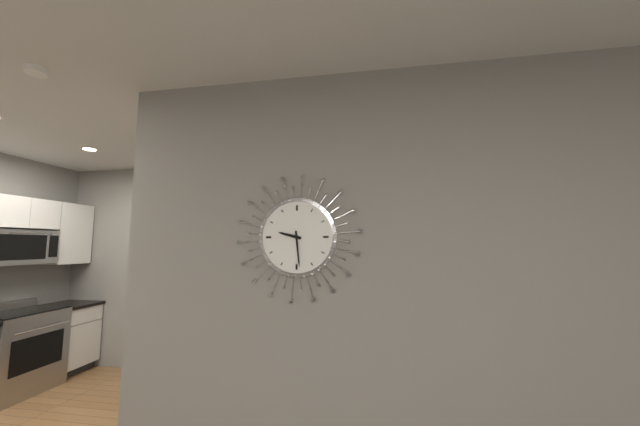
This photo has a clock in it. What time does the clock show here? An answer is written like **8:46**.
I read **9:29**
